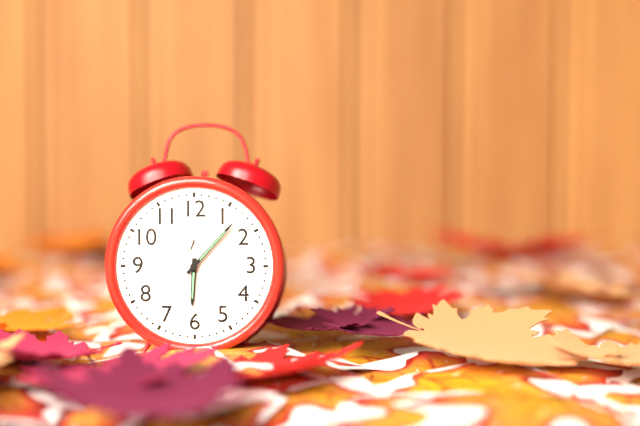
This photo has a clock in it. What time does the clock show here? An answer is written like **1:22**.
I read **6:07**
